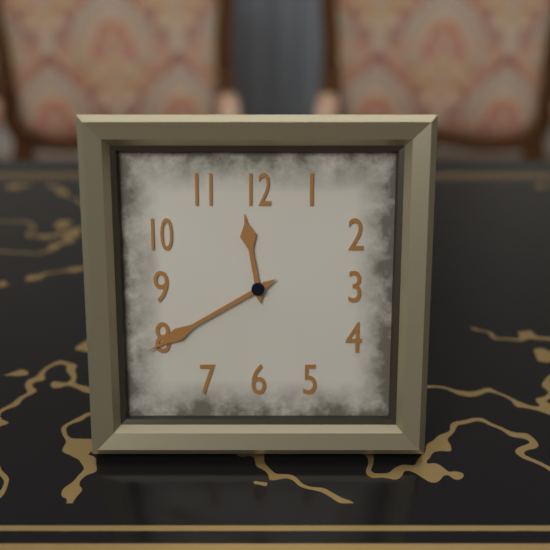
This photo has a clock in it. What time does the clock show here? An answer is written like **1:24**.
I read **11:40**
